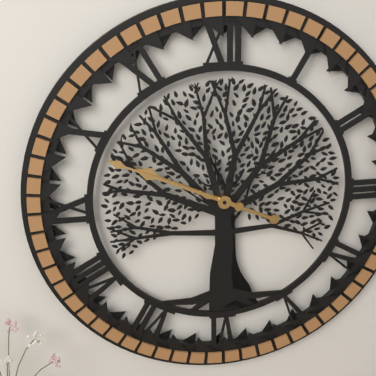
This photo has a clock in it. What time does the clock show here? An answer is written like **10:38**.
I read **9:49**
